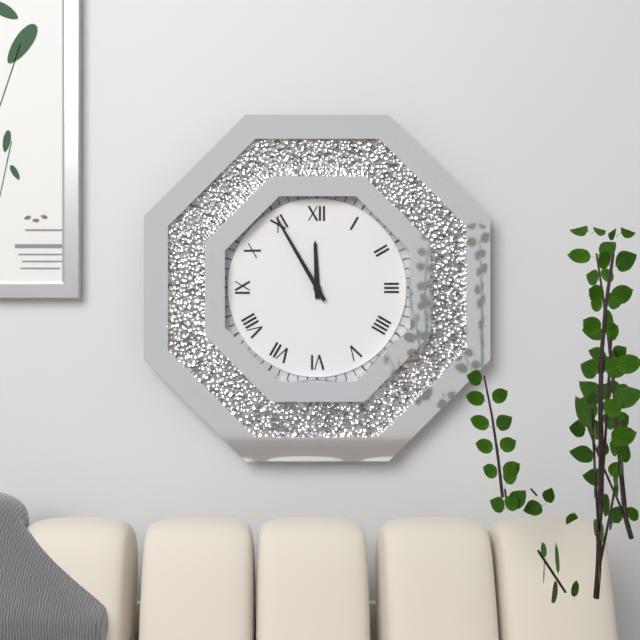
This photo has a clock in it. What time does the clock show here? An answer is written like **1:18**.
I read **11:55**
